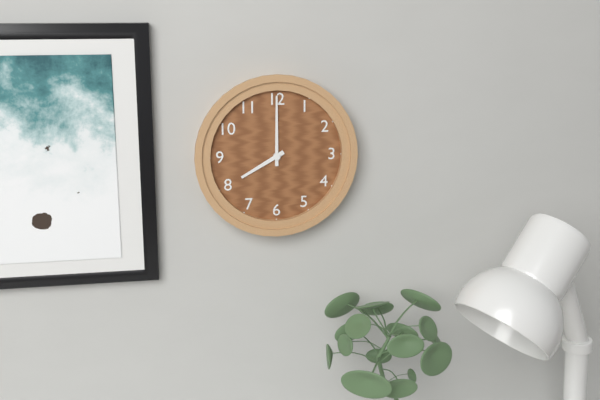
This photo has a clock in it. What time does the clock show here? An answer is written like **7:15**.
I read **8:00**
